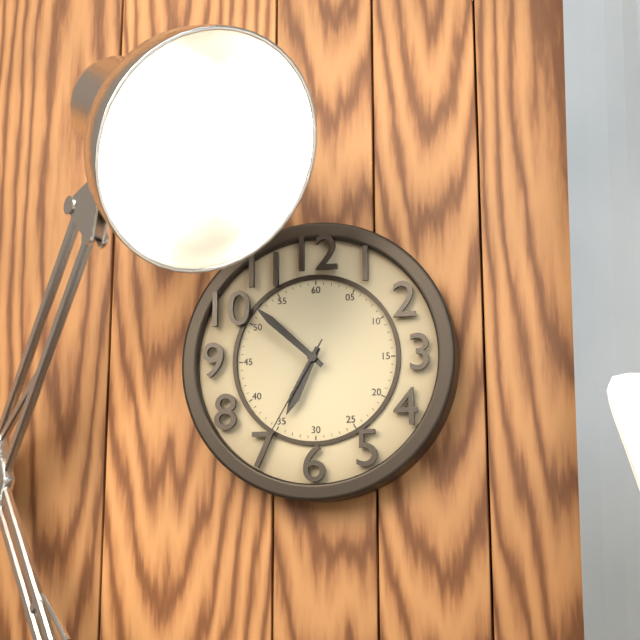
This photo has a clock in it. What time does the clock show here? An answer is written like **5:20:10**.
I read **6:52:35**
